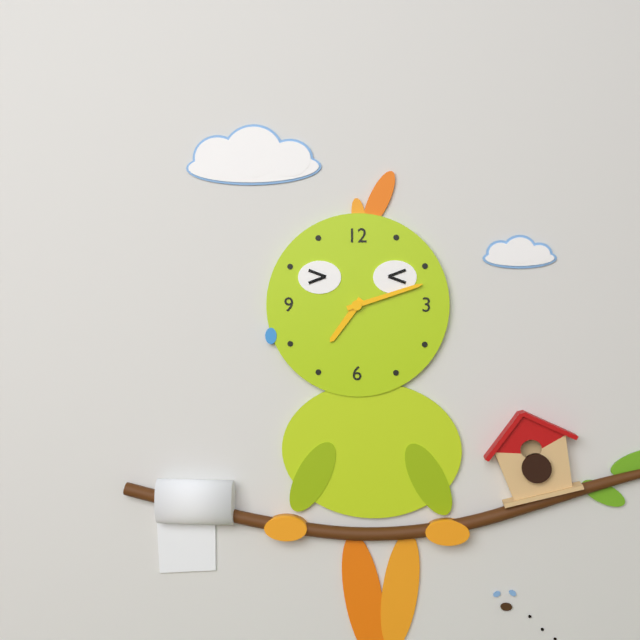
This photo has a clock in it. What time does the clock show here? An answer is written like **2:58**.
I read **7:12**
